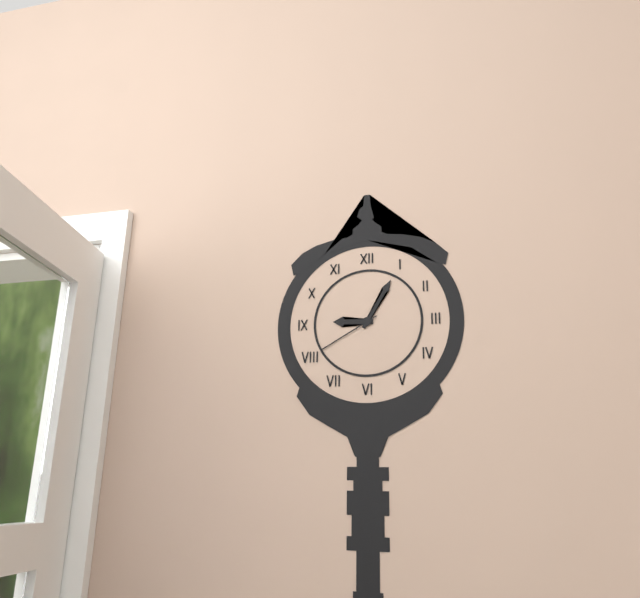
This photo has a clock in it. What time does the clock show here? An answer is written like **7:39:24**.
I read **9:05:40**
